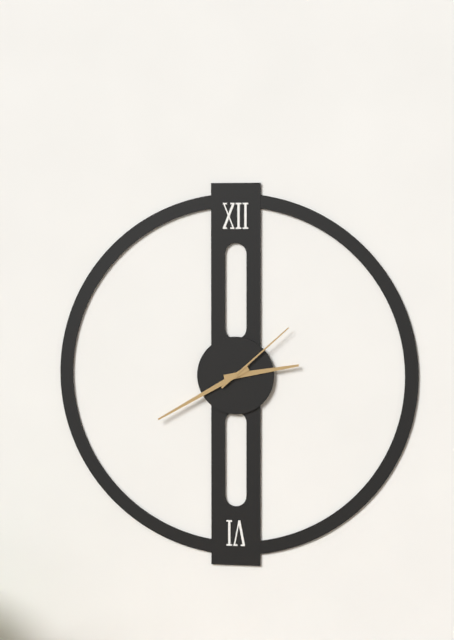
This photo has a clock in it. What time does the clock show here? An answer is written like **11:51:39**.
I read **2:40:08**
